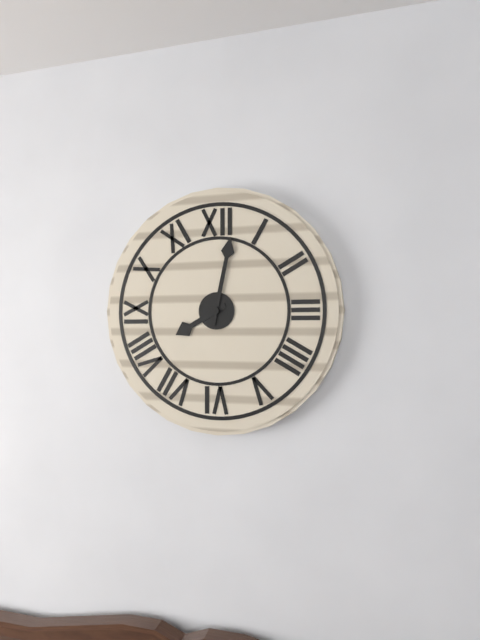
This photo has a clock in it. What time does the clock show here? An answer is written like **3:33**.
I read **8:02**
